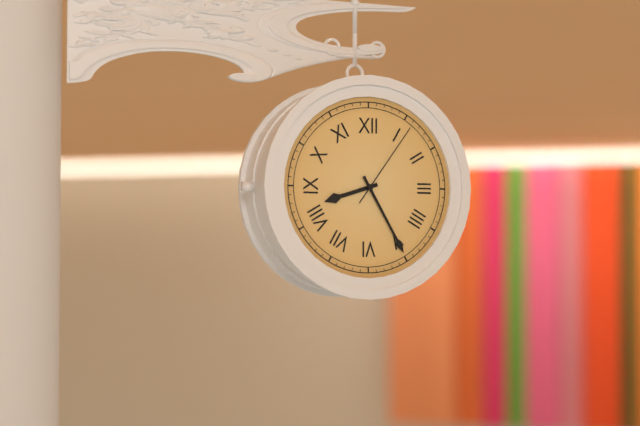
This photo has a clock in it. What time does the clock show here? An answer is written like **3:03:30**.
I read **8:25:06**
